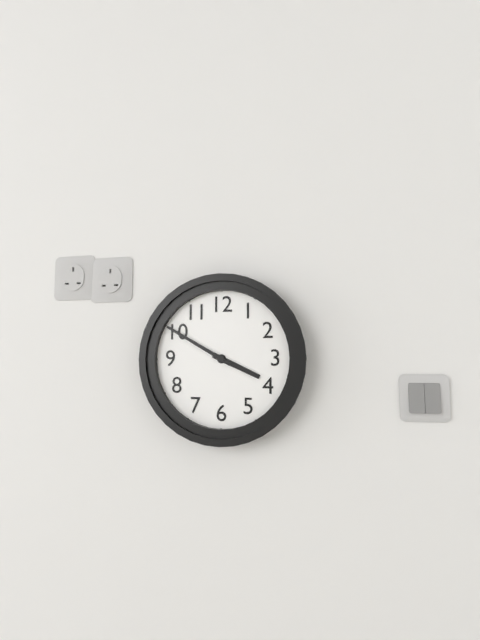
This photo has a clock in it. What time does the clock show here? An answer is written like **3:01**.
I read **3:50**
